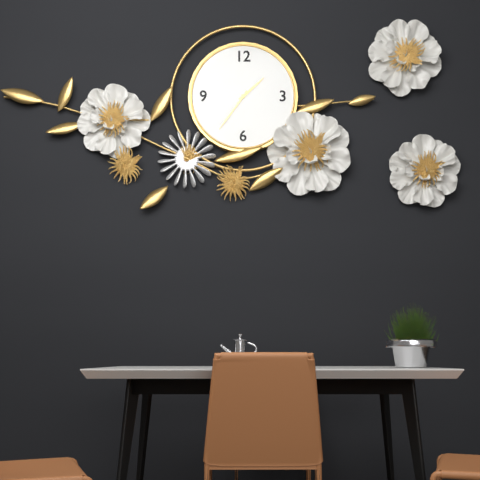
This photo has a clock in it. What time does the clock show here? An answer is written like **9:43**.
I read **1:36**
